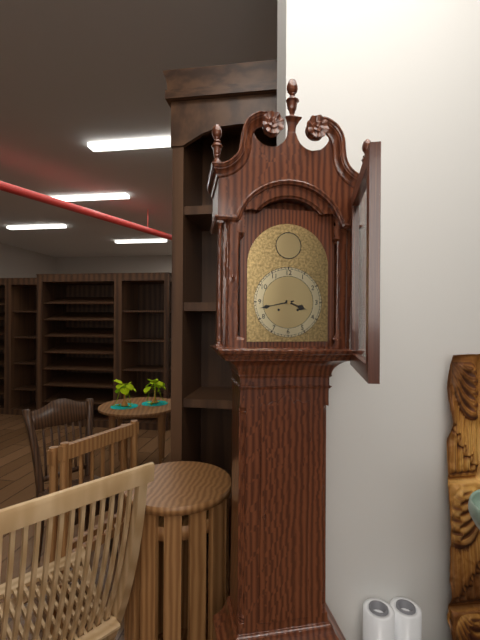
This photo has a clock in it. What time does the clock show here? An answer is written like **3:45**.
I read **3:43**
